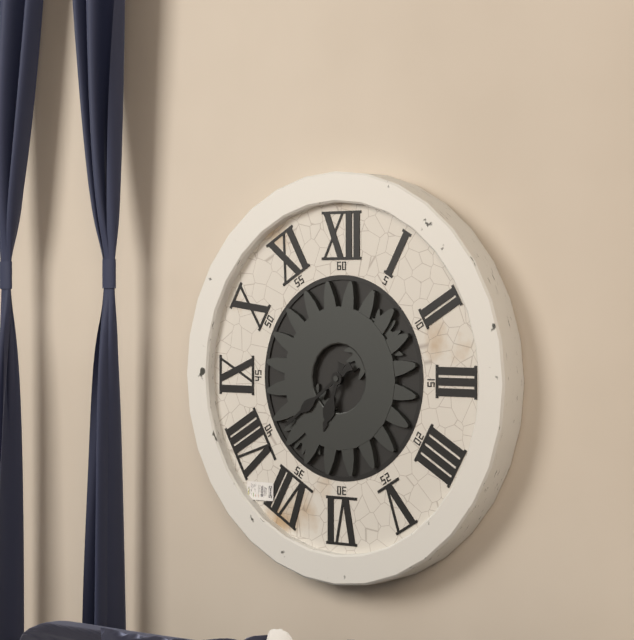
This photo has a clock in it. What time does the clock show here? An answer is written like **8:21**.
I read **6:39**
